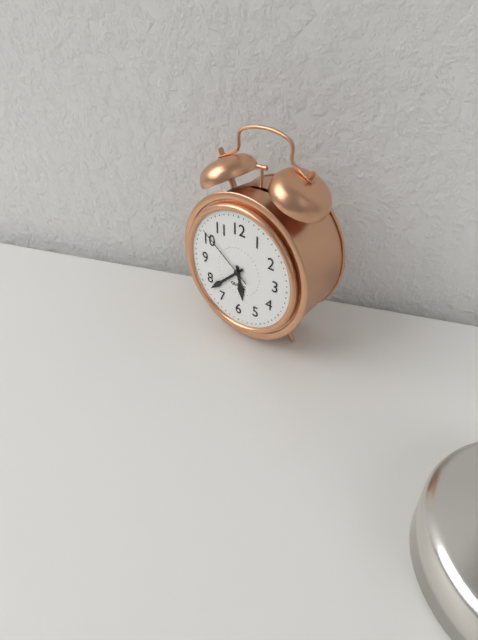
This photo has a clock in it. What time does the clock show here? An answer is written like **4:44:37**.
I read **5:38:51**
